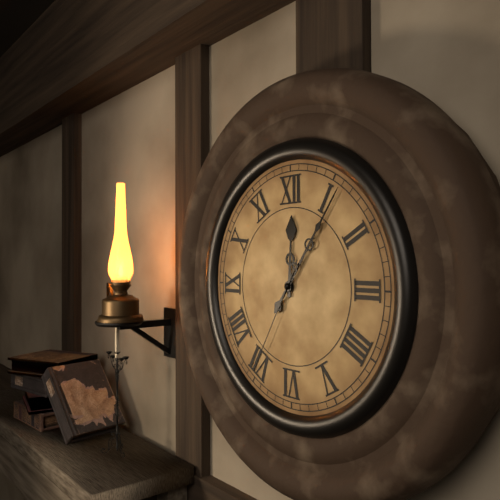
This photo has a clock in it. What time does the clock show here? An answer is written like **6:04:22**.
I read **12:06:35**
